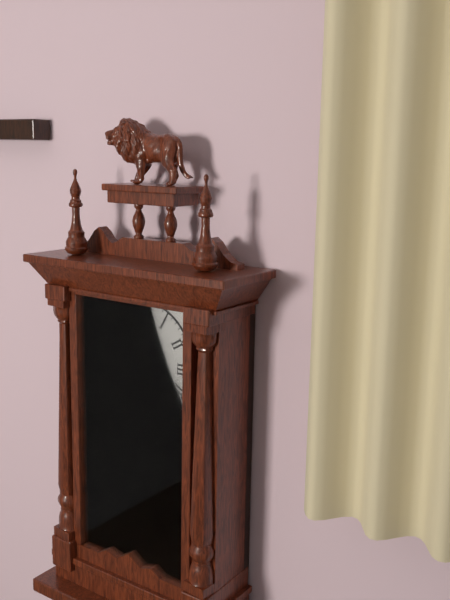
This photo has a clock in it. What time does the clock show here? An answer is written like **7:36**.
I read **11:44**
